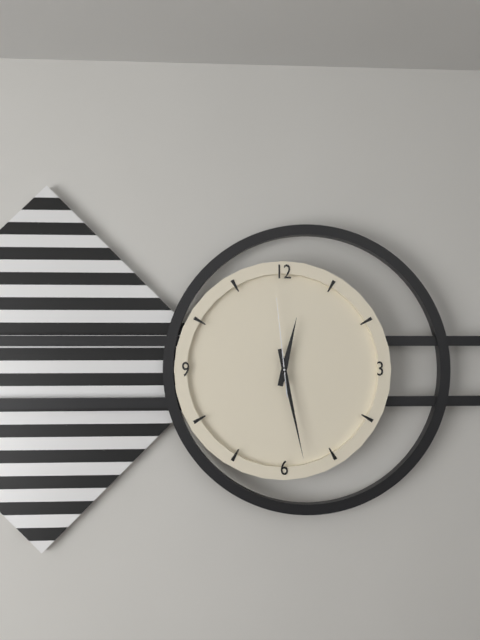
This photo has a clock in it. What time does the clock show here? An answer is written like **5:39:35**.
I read **12:28:59**
